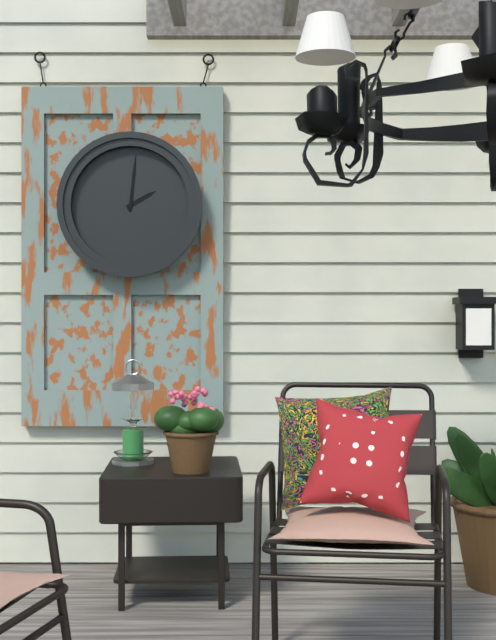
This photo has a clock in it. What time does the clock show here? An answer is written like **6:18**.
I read **2:01**
